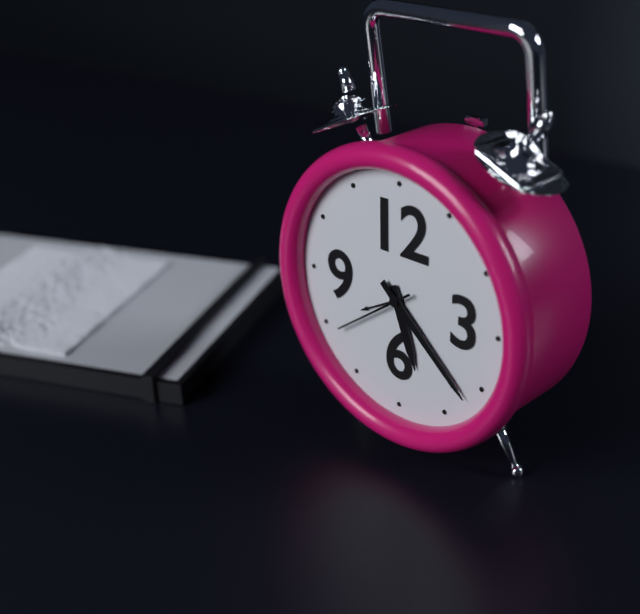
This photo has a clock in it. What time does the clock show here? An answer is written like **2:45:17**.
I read **5:22:39**
